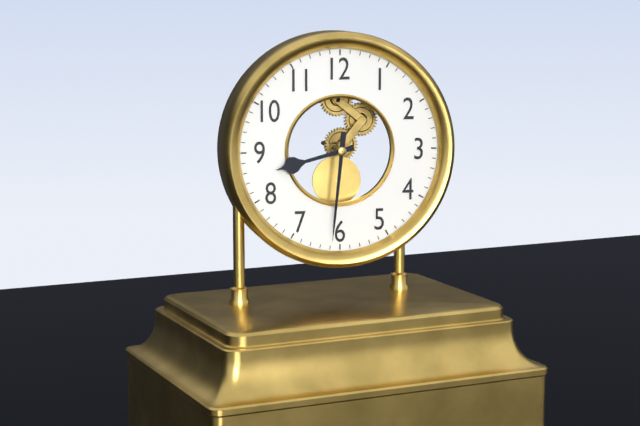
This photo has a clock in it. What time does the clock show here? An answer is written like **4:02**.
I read **8:31**
